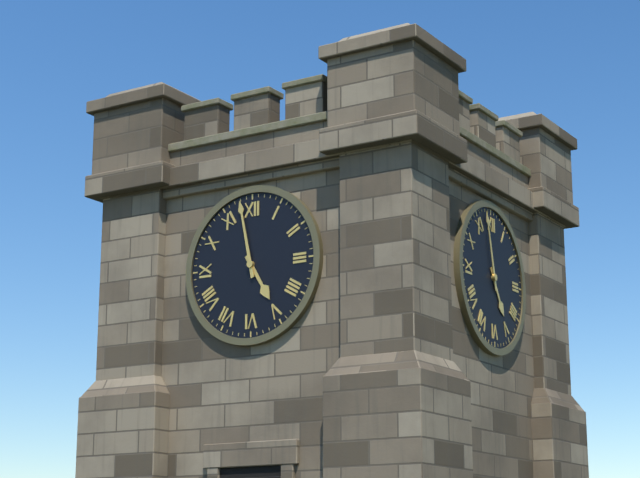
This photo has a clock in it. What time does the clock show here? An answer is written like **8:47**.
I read **4:58**
